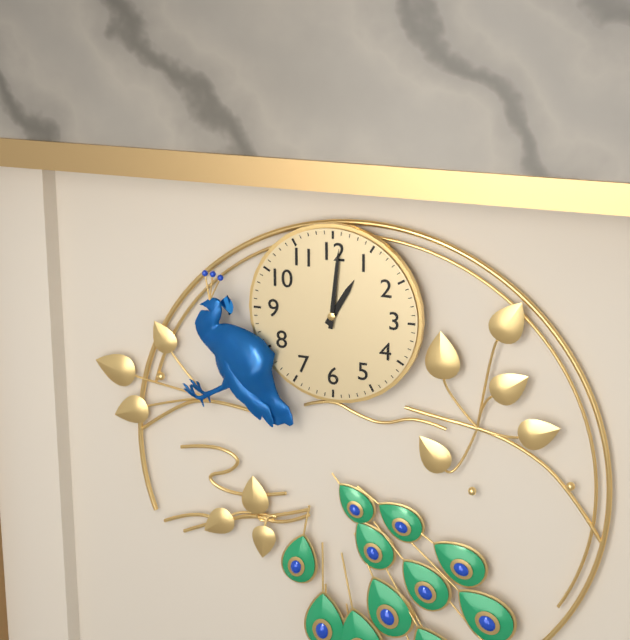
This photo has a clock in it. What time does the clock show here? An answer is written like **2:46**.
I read **1:01**
